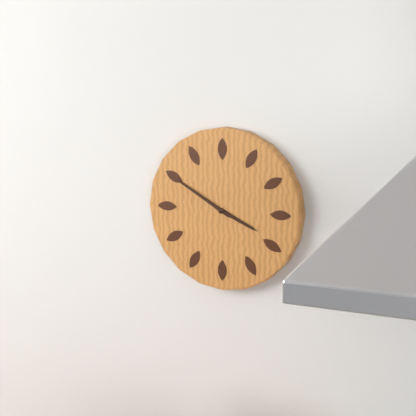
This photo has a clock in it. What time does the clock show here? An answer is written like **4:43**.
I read **3:50**
